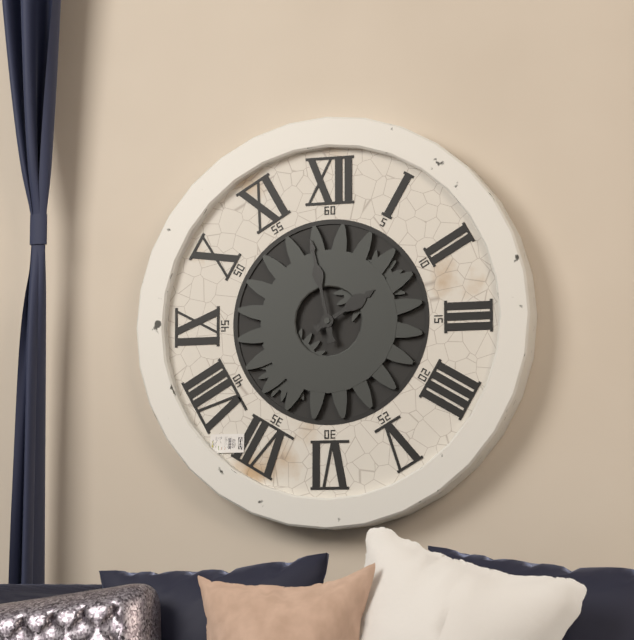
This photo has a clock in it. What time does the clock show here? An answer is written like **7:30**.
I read **1:58**
